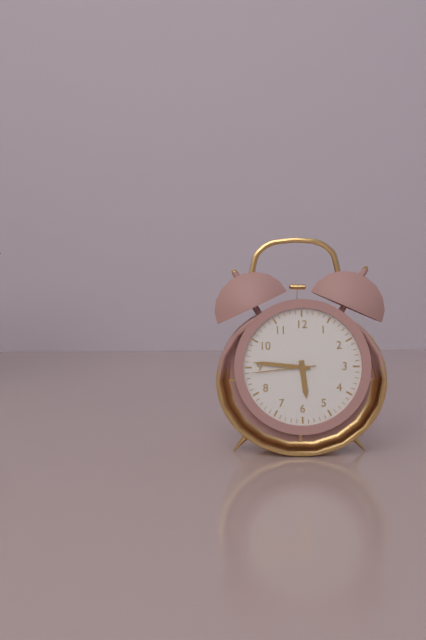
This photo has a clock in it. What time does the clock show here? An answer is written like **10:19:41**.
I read **5:46:44**
